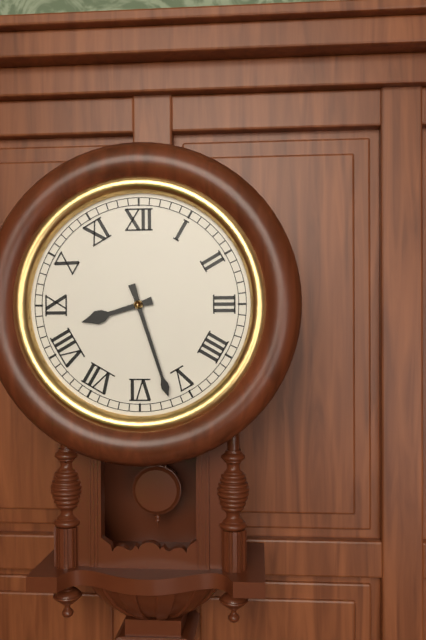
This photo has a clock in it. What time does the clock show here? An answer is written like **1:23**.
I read **8:27**
